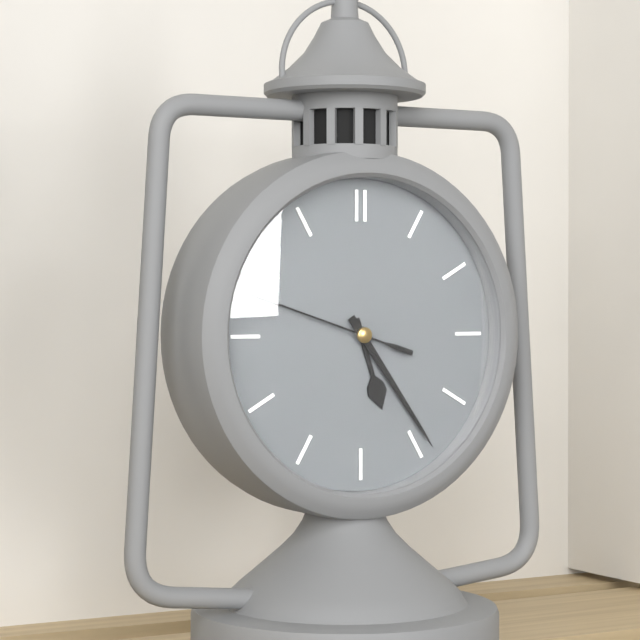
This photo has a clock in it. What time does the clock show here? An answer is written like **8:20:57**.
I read **5:24:48**
